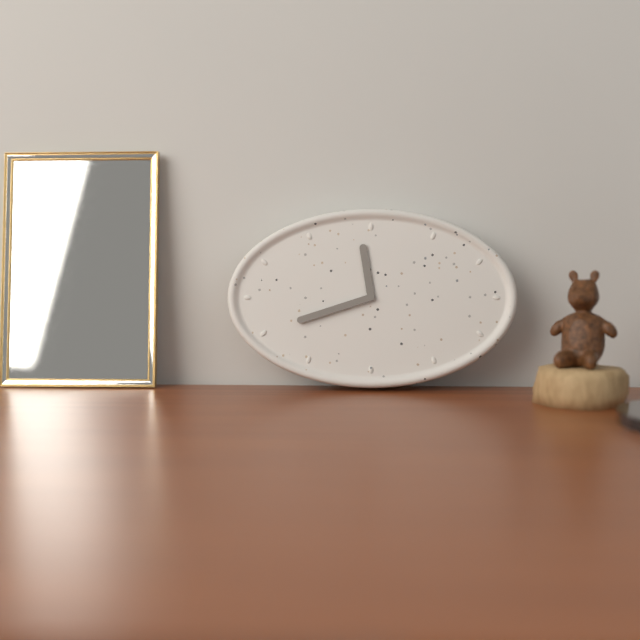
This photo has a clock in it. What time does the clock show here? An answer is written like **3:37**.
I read **11:42**
